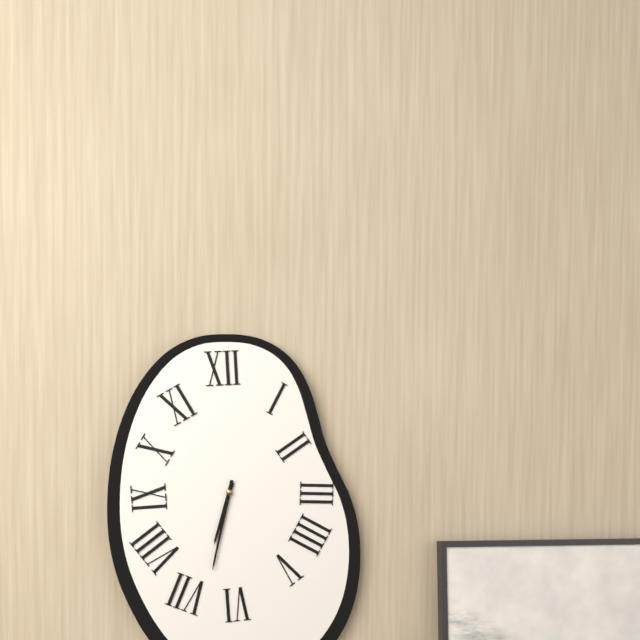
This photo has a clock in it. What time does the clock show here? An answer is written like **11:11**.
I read **6:32**
